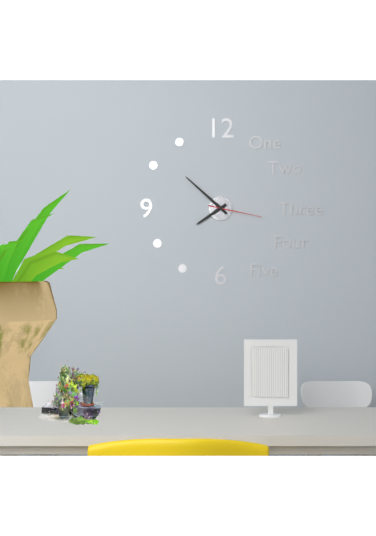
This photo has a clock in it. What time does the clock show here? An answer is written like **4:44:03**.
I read **7:52:17**
